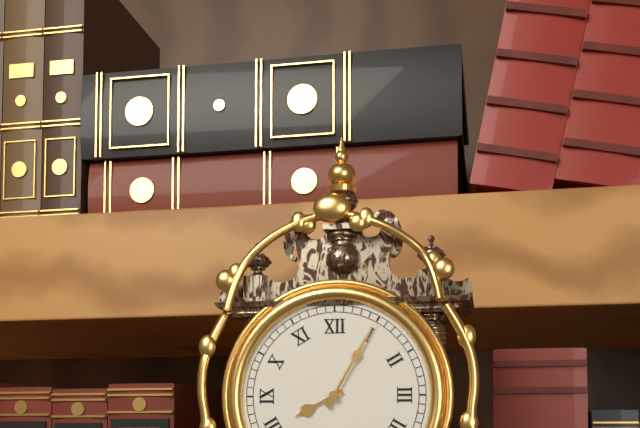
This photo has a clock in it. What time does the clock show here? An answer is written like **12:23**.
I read **8:05**
